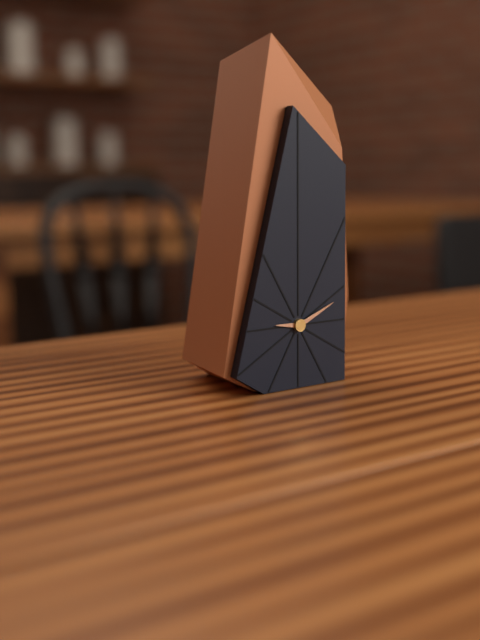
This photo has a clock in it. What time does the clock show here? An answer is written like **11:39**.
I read **9:11**
